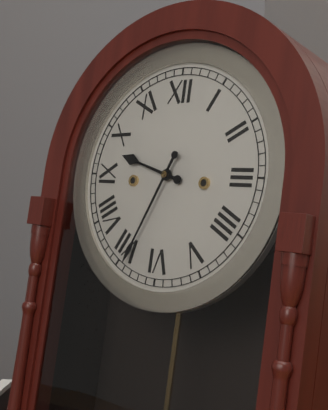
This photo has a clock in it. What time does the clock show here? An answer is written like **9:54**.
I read **9:34**
